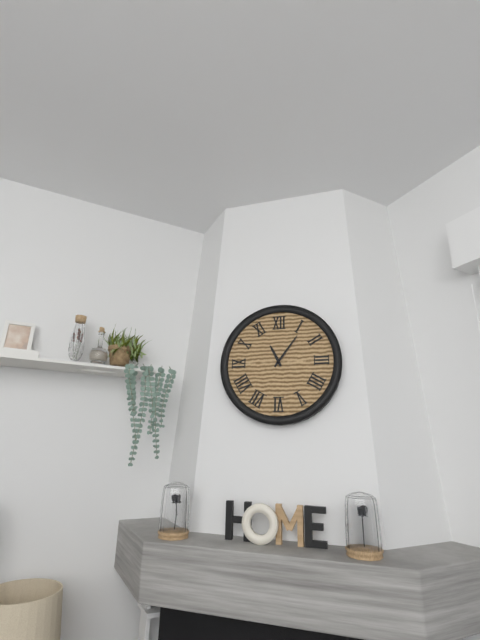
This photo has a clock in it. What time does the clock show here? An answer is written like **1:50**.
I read **11:06**
